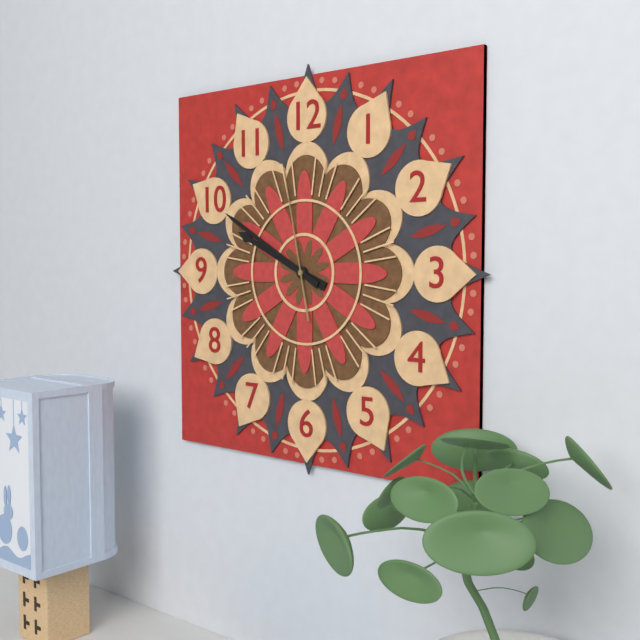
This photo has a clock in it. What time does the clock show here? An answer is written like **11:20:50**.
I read **9:50:58**
